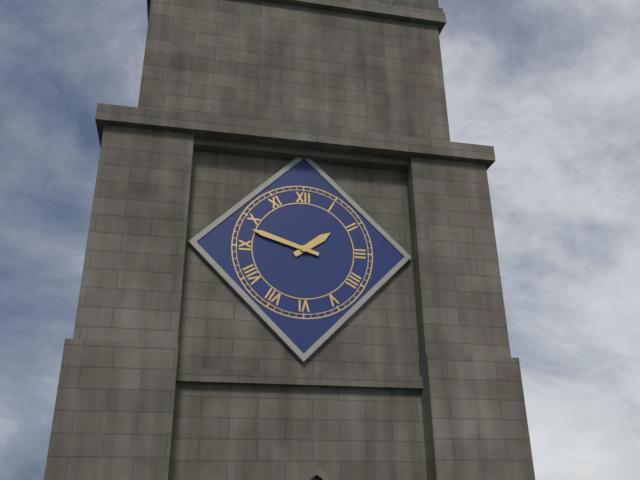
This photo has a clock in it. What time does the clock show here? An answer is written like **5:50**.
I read **1:48**
